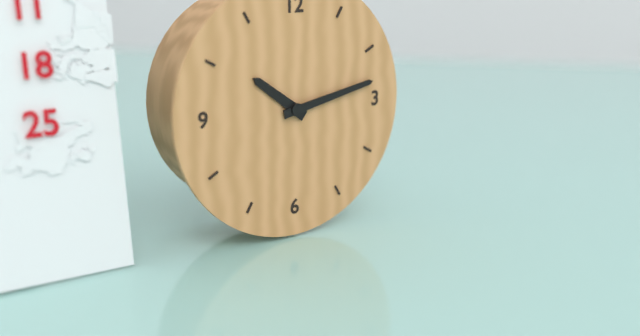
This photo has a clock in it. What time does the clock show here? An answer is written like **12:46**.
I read **10:13**
